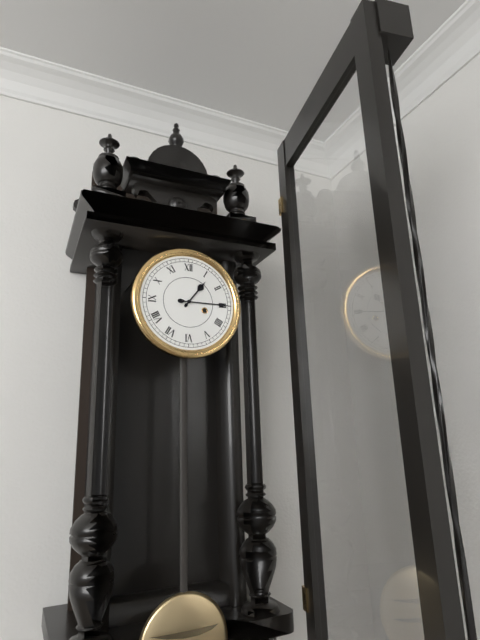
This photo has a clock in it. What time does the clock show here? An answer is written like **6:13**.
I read **1:15**
